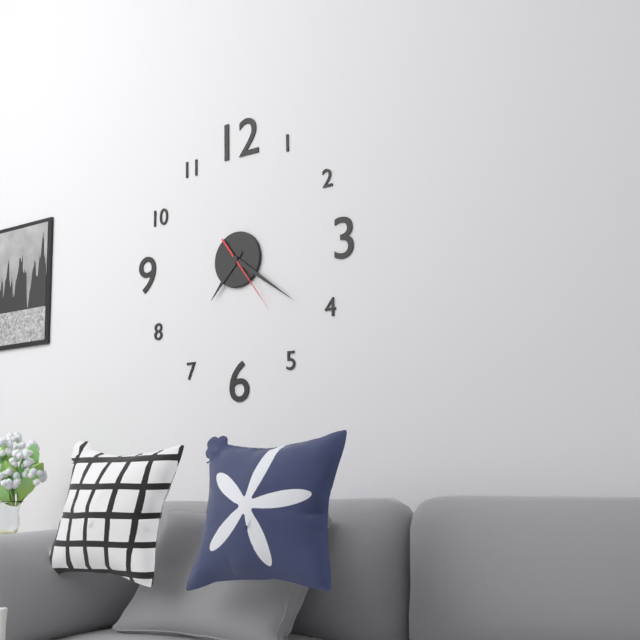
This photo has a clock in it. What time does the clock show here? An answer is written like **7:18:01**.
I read **7:21:24**
